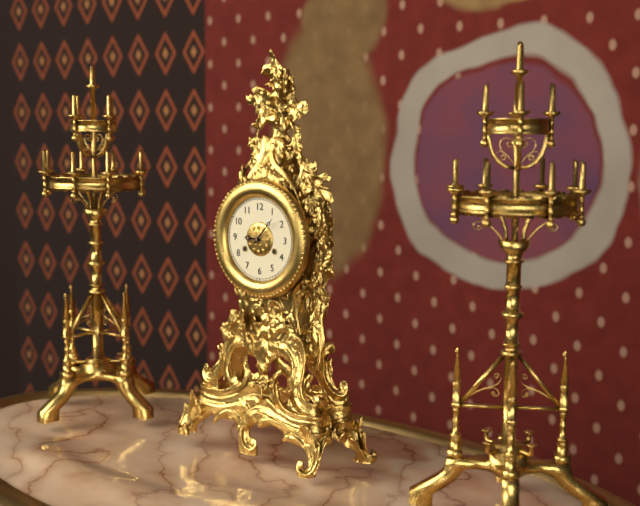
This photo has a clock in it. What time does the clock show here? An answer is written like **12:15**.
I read **9:07**
